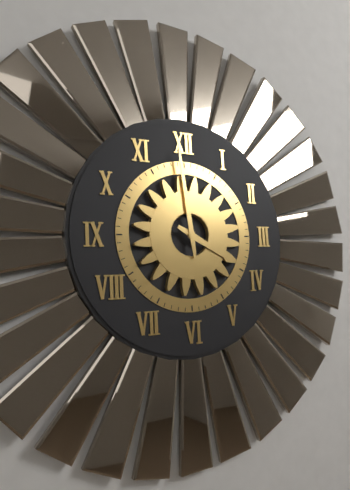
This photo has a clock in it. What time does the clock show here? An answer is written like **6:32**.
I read **3:59**
